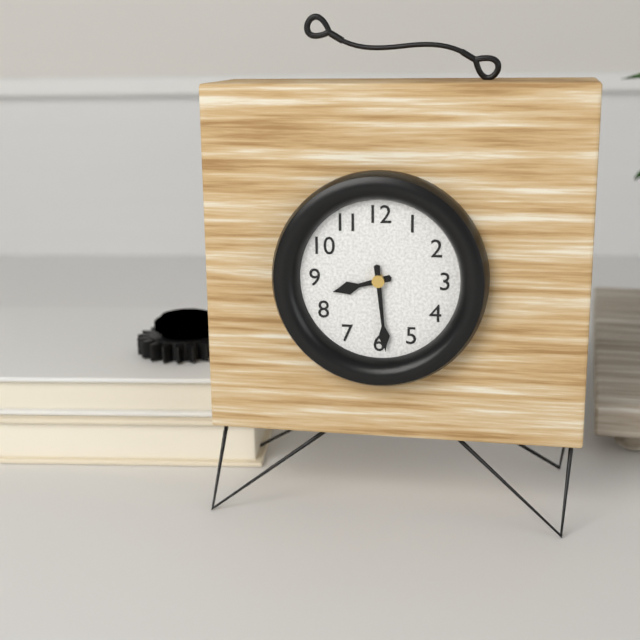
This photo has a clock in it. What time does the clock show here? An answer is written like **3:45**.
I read **8:29**
